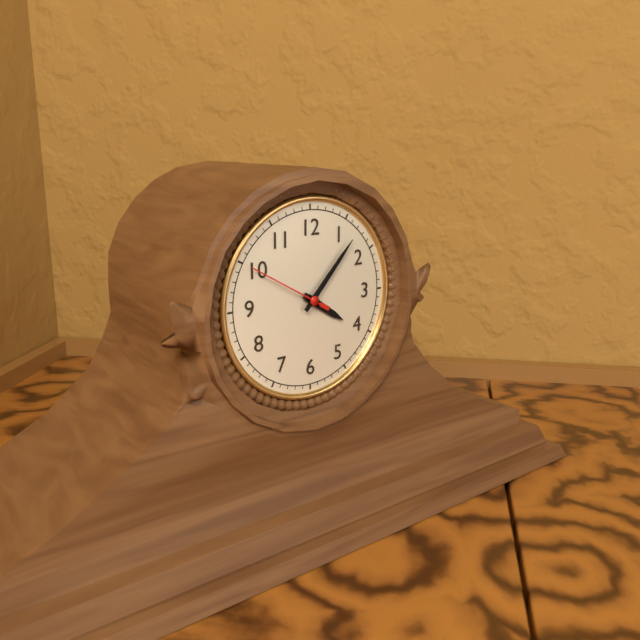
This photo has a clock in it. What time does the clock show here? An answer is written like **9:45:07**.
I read **4:07:50**
